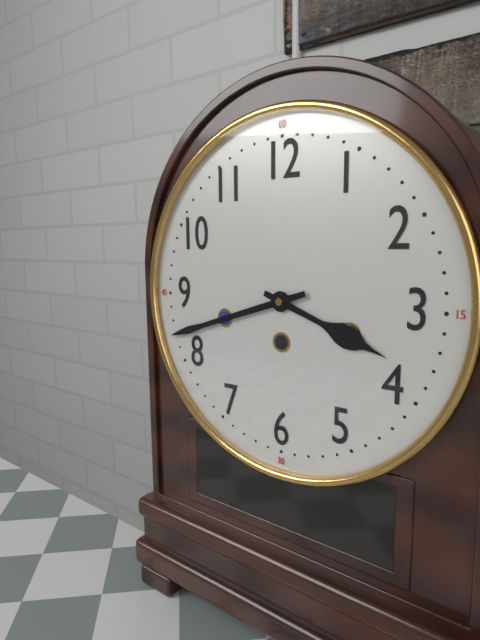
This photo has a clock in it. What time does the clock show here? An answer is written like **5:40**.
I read **3:42**
